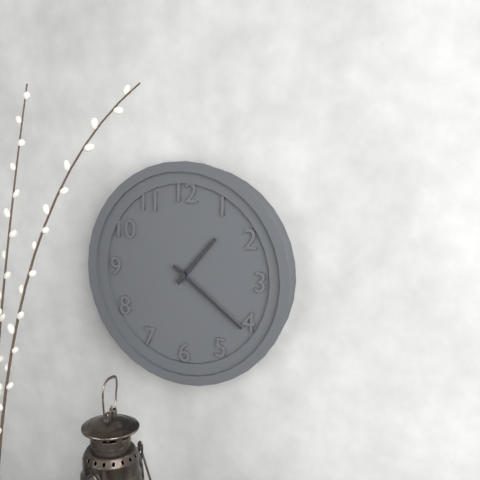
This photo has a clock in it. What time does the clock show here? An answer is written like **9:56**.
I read **1:21**
